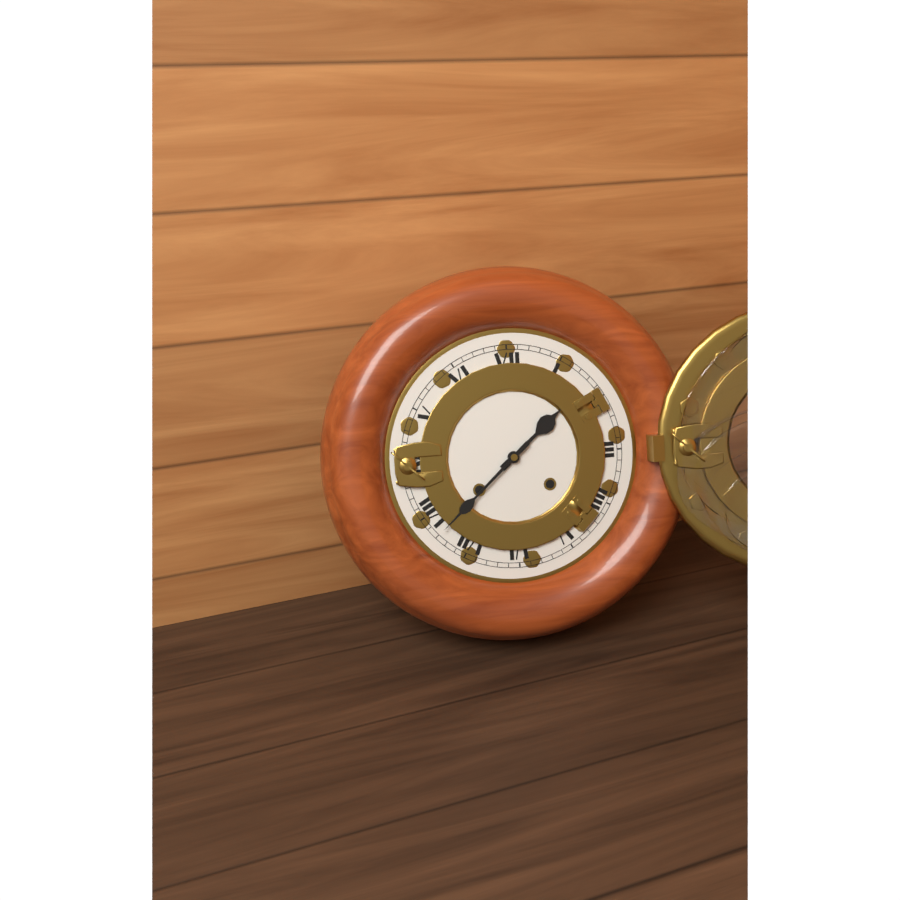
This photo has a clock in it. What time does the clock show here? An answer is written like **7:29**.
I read **1:38**
